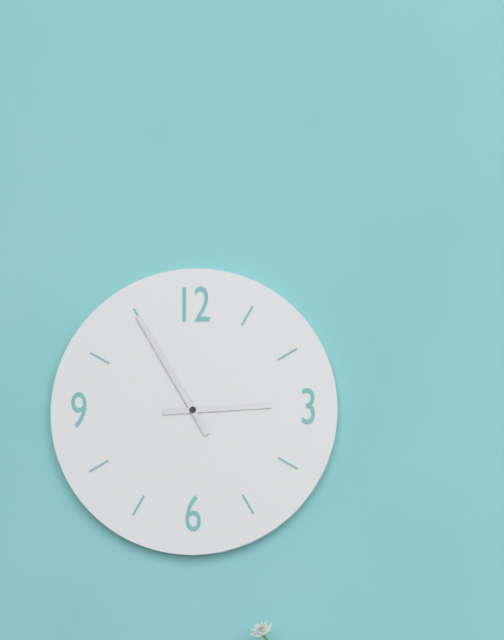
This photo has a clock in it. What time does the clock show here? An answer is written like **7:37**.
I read **2:55**
